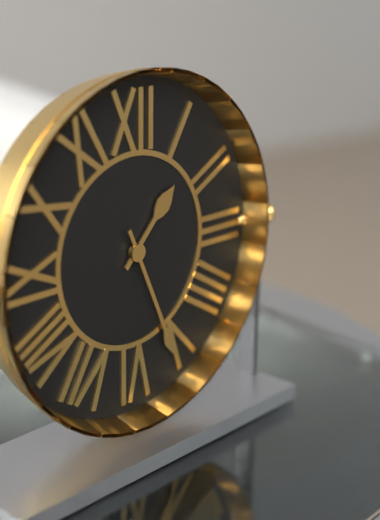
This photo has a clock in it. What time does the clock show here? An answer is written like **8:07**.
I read **1:26**
